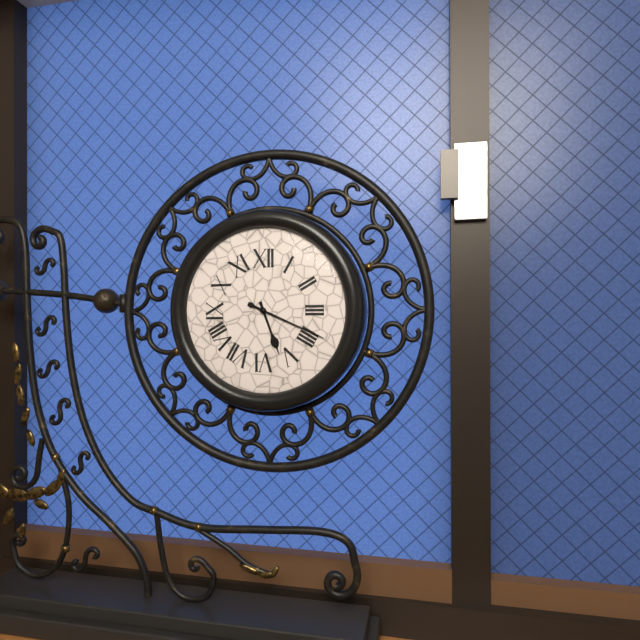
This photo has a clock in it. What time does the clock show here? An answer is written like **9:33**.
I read **5:19**
